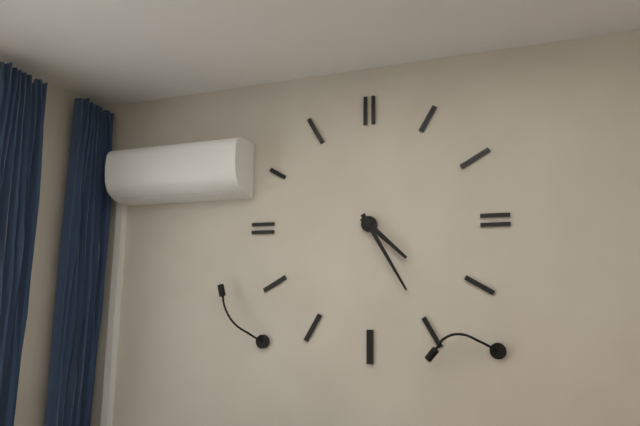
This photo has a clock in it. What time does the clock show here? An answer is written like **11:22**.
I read **4:25**
